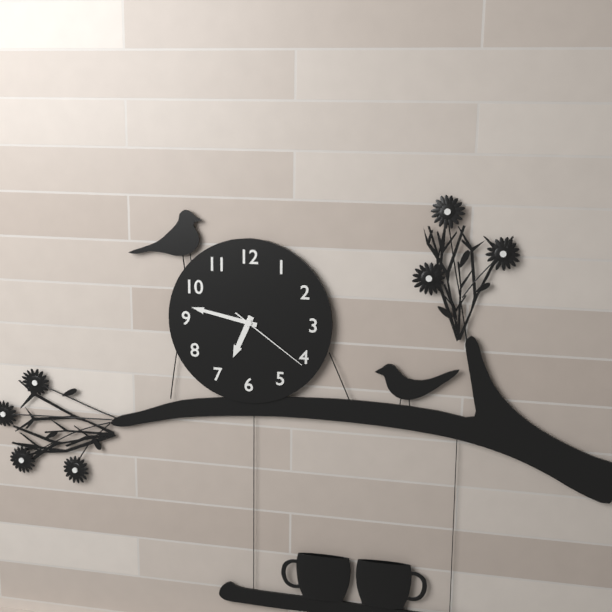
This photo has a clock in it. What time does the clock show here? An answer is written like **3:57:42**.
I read **6:47:21**
